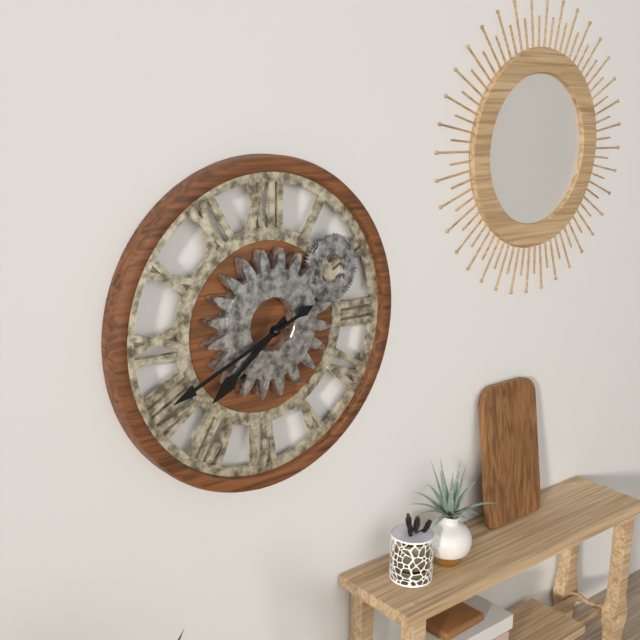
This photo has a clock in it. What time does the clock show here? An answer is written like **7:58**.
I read **7:41**
